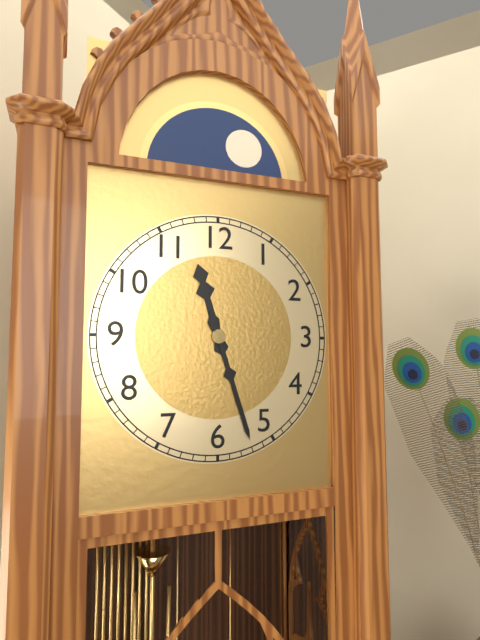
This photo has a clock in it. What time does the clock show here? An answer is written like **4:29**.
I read **11:27**
